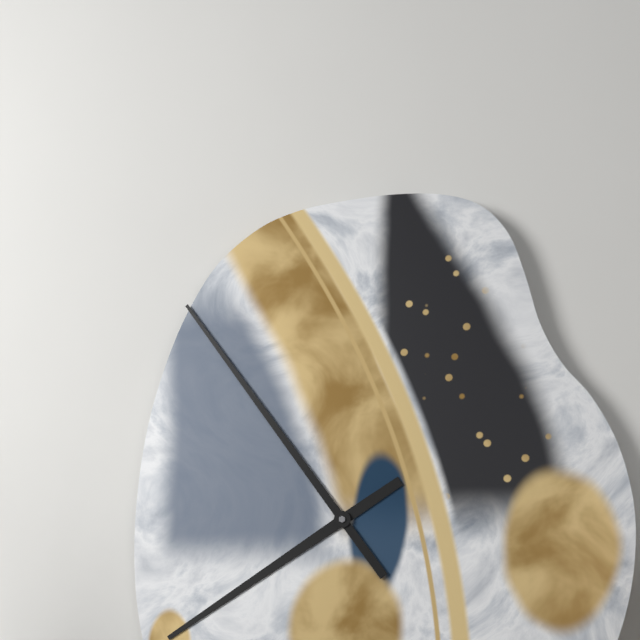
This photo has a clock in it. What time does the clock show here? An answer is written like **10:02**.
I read **7:54**
